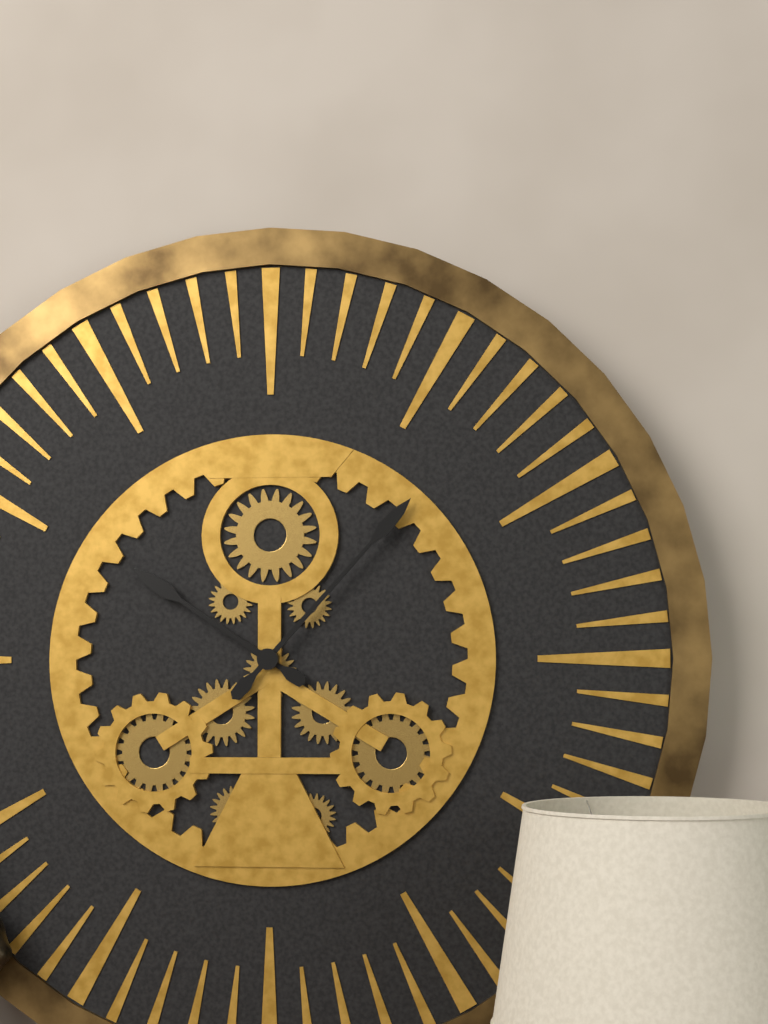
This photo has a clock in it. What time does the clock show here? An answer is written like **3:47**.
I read **10:07**
